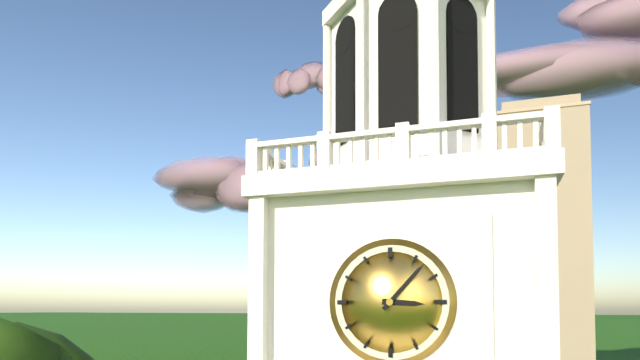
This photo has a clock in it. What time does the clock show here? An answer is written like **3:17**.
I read **3:07**
